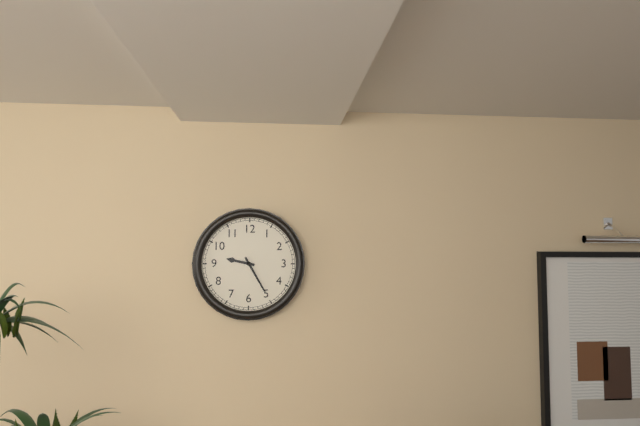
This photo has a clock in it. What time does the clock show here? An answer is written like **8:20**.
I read **9:25**
